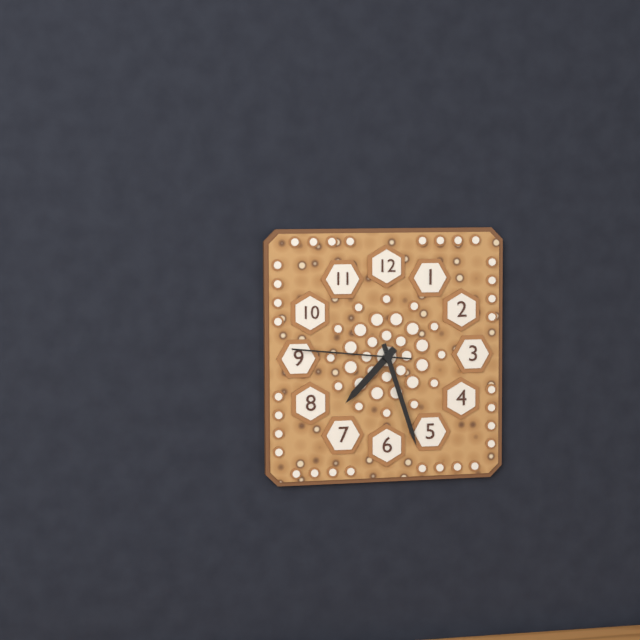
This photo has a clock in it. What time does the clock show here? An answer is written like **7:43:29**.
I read **7:27:46**
